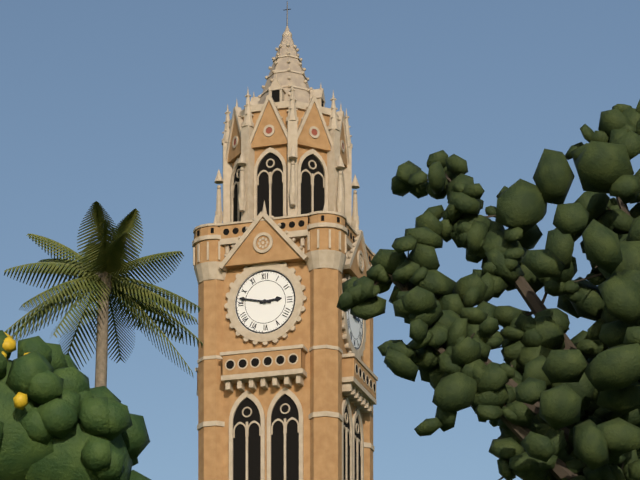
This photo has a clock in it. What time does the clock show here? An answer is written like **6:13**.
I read **2:47**
